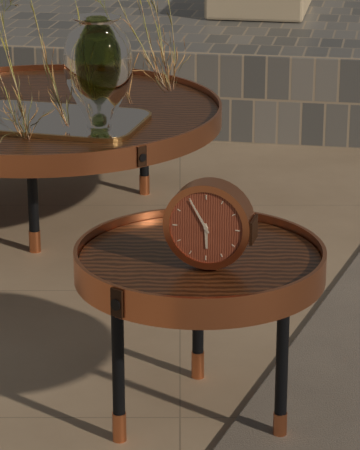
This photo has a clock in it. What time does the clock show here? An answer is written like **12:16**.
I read **5:55**
